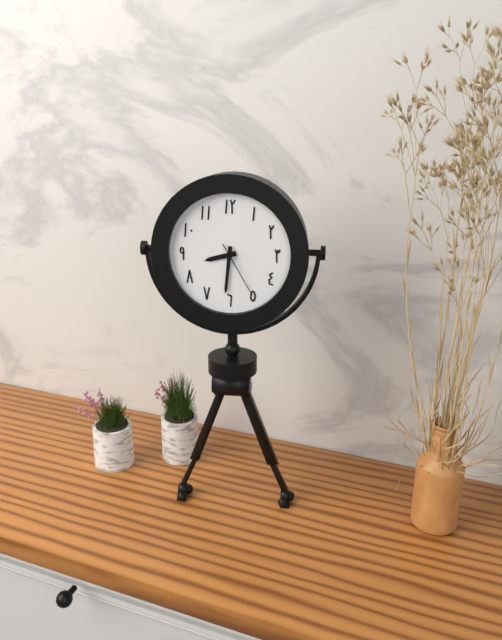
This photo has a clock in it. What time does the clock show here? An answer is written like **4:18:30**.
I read **8:31:25**
